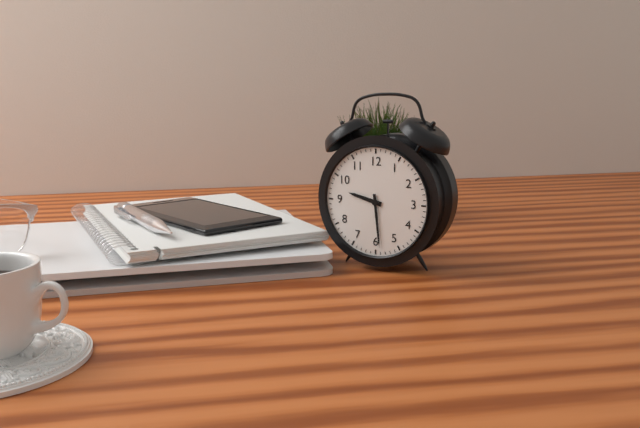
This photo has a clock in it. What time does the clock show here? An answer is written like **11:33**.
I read **9:29**
